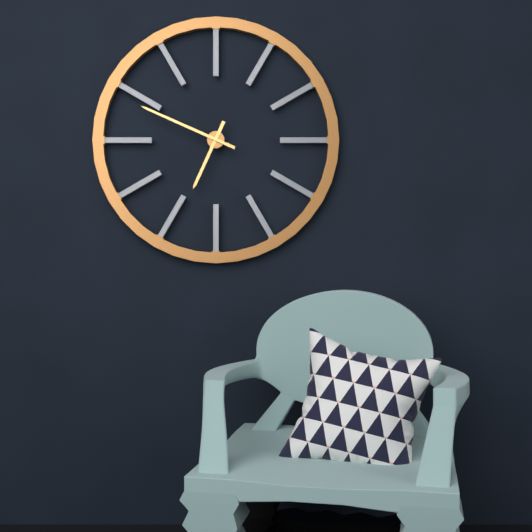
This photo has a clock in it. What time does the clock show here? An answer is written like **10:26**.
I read **6:49**
